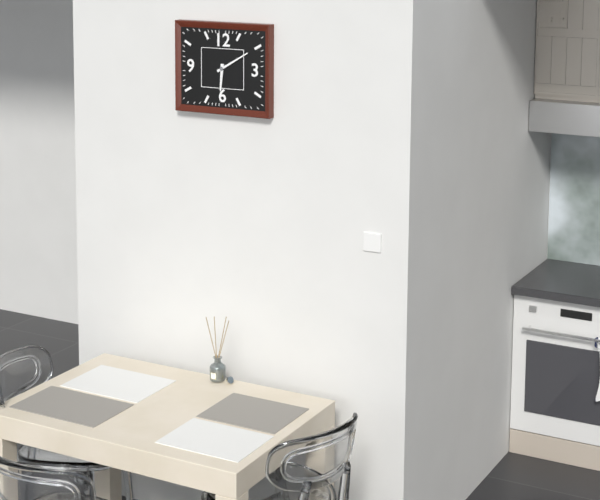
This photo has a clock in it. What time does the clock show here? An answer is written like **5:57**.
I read **6:10**
